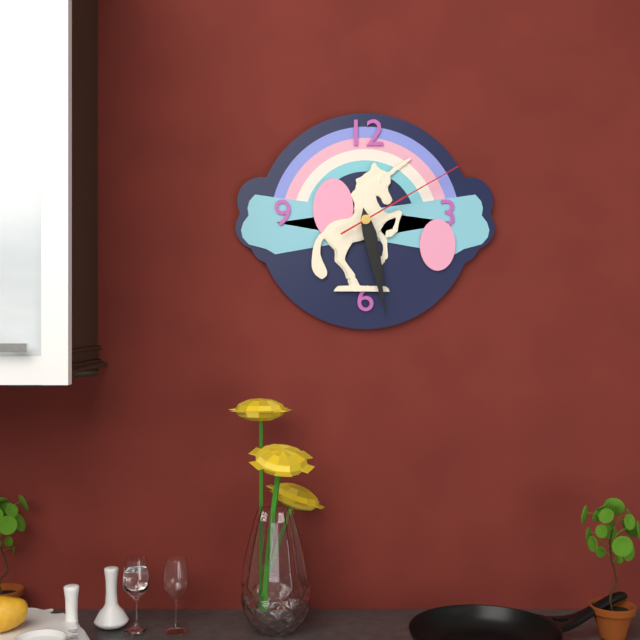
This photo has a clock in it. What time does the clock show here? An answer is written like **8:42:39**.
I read **5:28:10**
